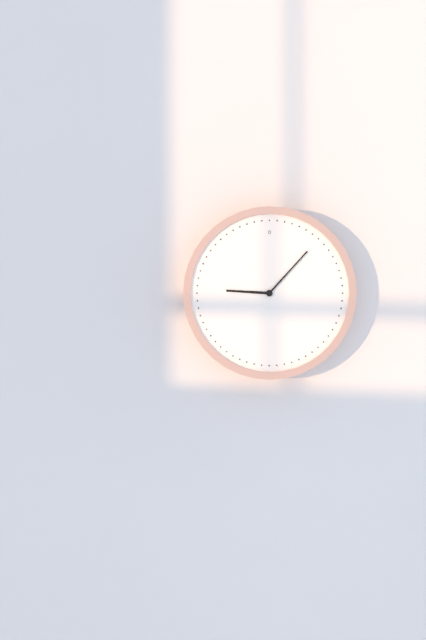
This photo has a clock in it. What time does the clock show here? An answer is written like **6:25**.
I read **9:07**
